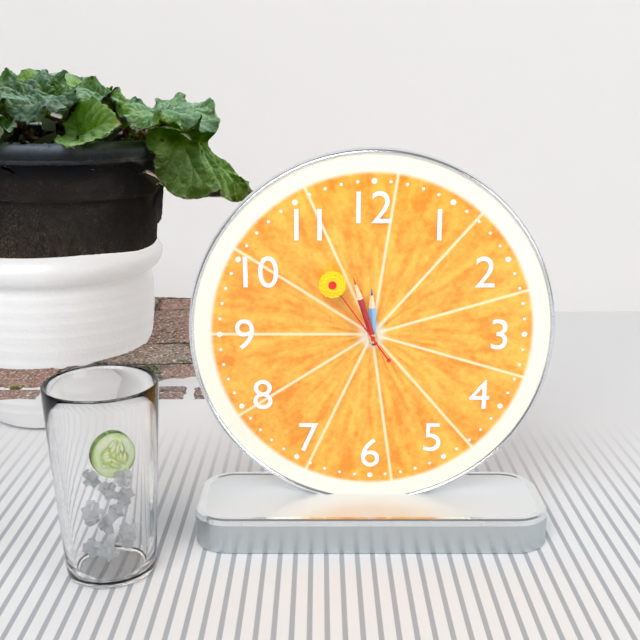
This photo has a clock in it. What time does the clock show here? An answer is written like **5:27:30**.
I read **11:57:54**
